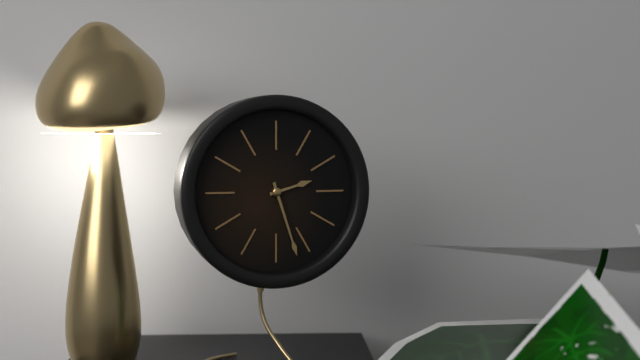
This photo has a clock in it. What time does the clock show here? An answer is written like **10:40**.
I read **2:27**
